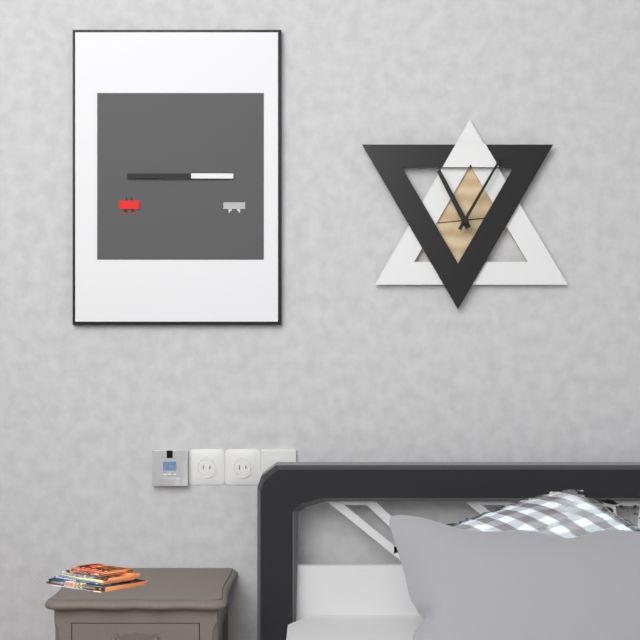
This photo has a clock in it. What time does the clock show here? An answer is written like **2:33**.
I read **11:05**
